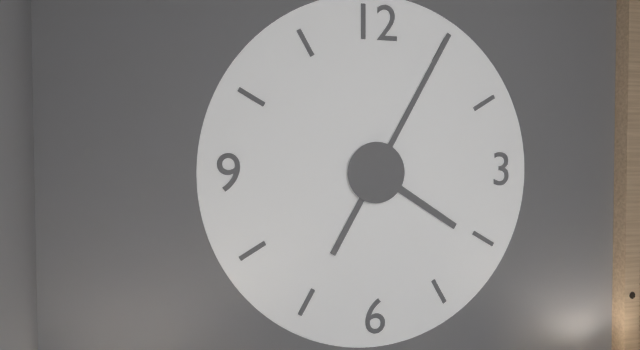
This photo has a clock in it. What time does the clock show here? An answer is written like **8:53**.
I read **4:05**
